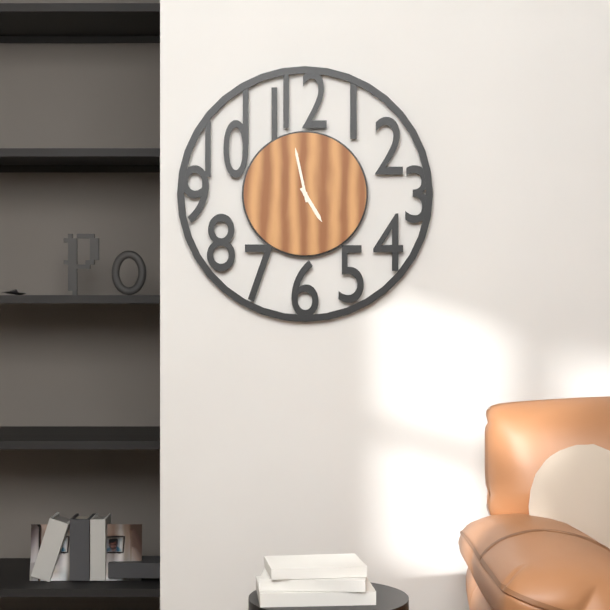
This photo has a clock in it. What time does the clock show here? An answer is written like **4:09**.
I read **4:58**
